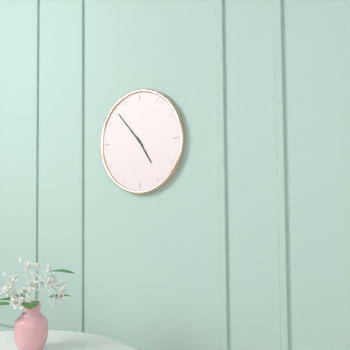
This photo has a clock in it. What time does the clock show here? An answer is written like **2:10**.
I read **4:53**
